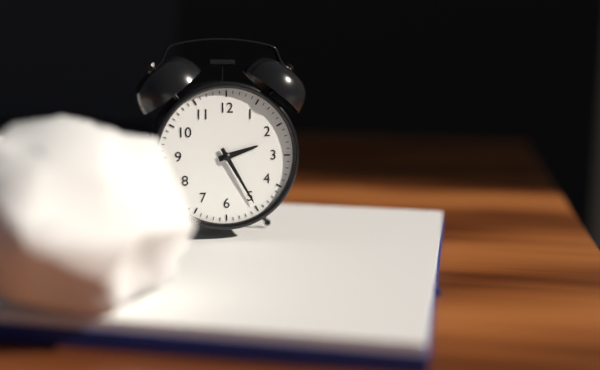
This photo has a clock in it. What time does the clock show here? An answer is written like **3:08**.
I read **2:25**
